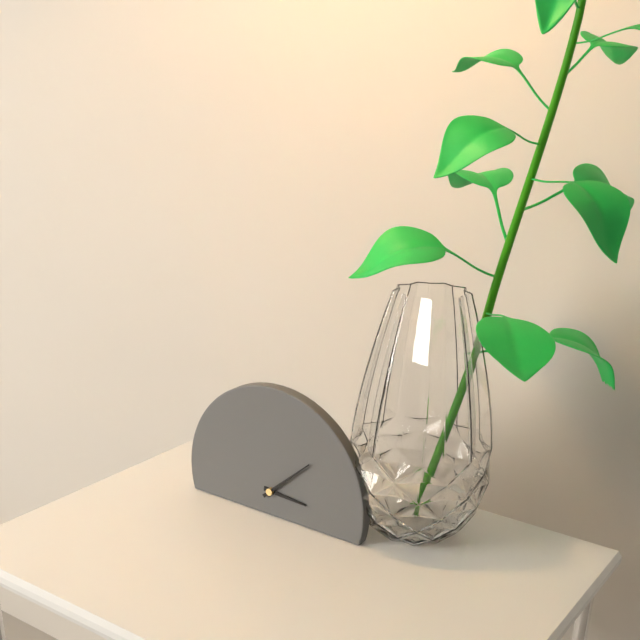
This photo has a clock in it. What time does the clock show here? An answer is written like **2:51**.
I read **3:08**
